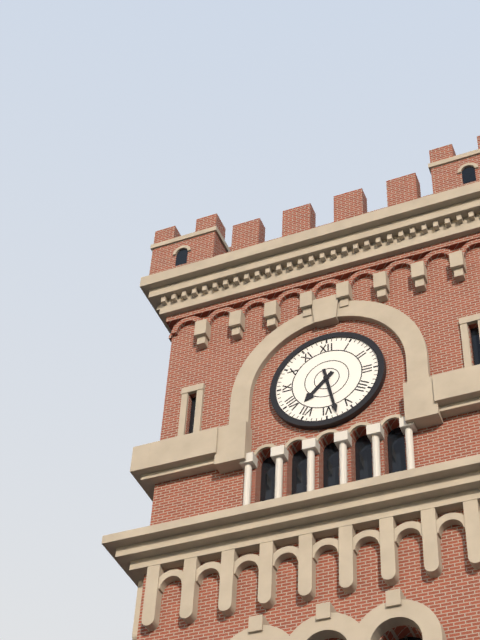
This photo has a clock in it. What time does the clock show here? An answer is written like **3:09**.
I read **7:28**
